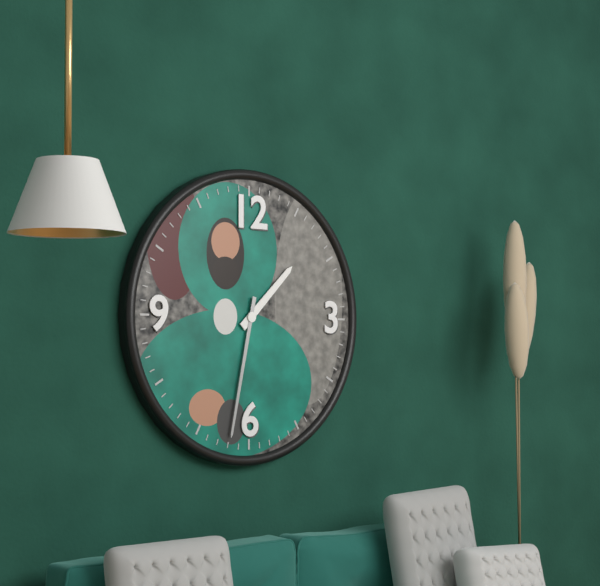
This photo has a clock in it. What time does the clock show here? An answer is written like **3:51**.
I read **1:32**
